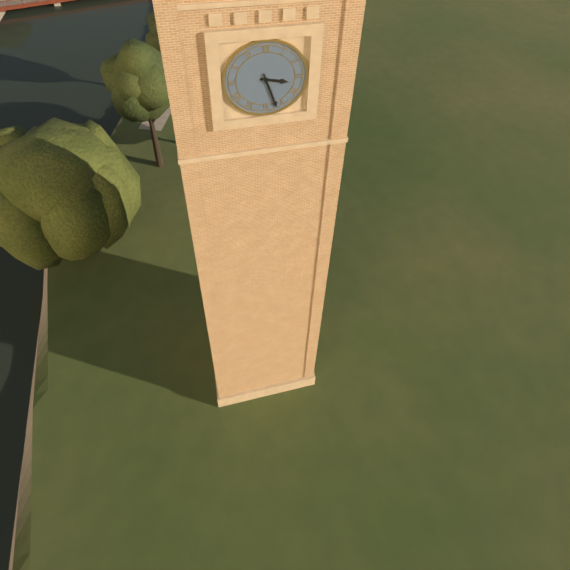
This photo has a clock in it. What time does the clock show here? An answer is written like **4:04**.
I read **3:27**
